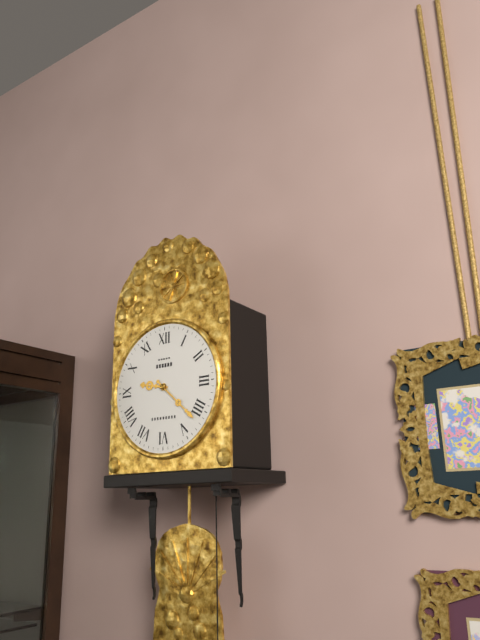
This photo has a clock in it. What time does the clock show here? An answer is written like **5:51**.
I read **9:22**
